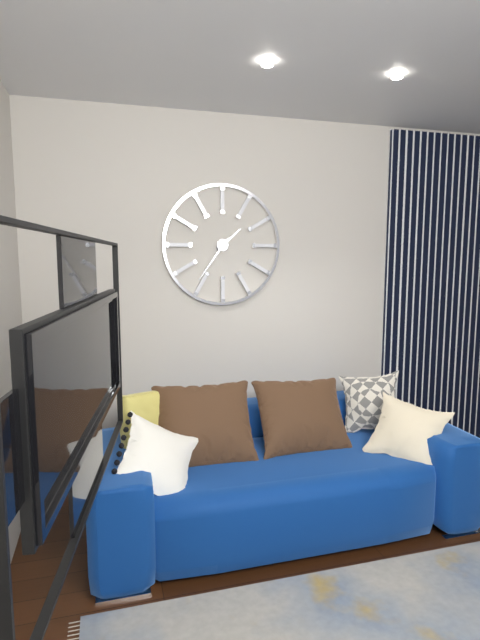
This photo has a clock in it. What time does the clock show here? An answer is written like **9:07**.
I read **1:36**
